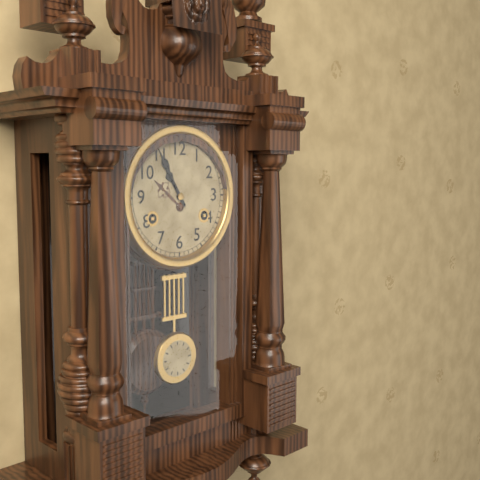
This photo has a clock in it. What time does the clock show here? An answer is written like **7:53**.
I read **10:55**
